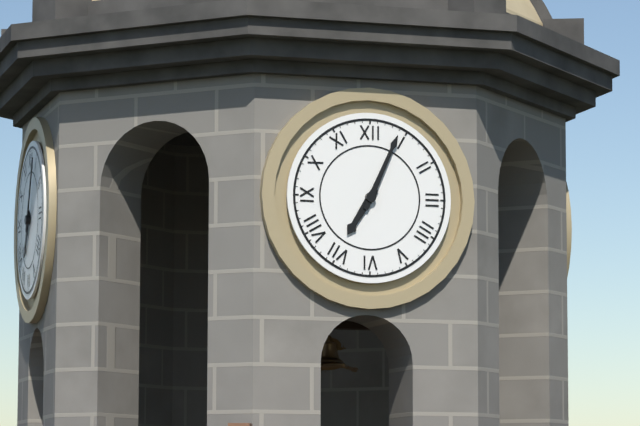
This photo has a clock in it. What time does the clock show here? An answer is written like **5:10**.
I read **7:04**
